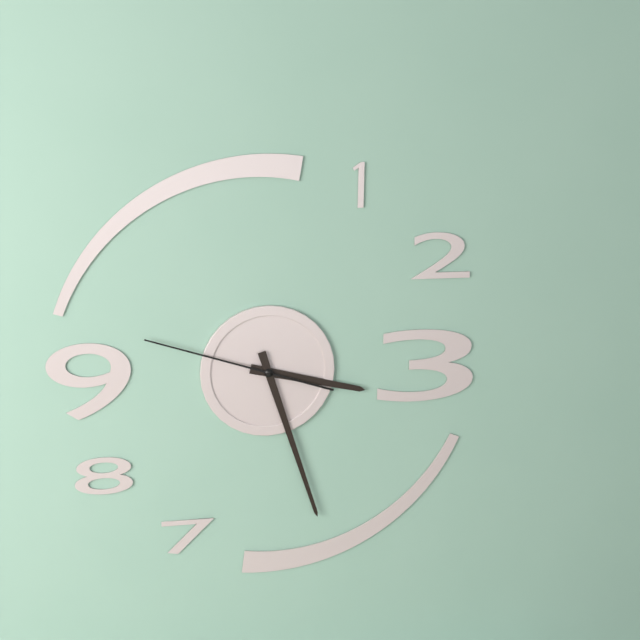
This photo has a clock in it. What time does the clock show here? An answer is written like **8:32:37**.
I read **3:27:48**
